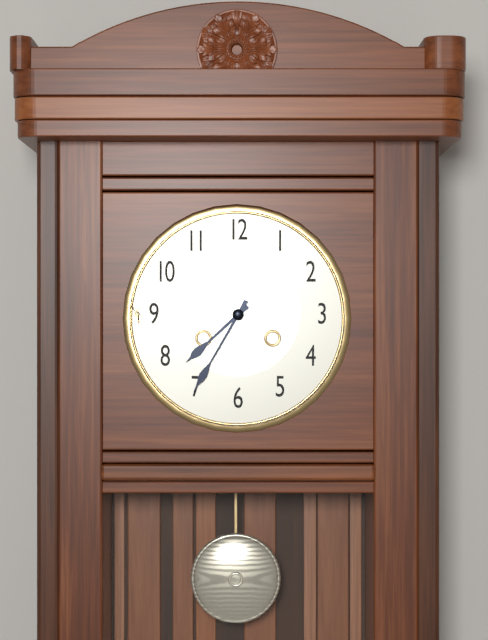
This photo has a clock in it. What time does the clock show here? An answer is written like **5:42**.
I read **7:35**
